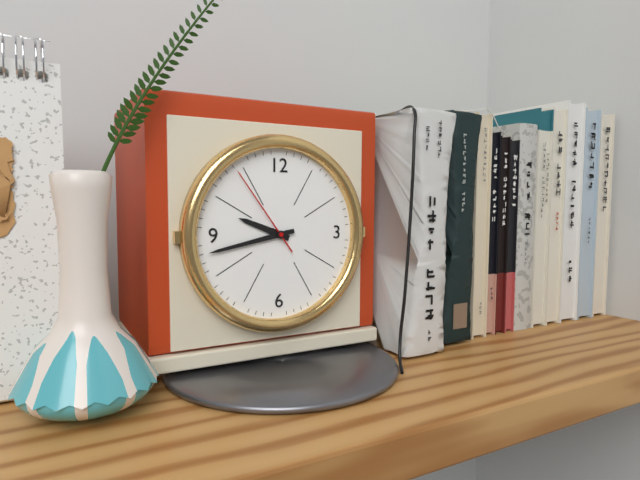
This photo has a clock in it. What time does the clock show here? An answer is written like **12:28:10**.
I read **9:43:54**
